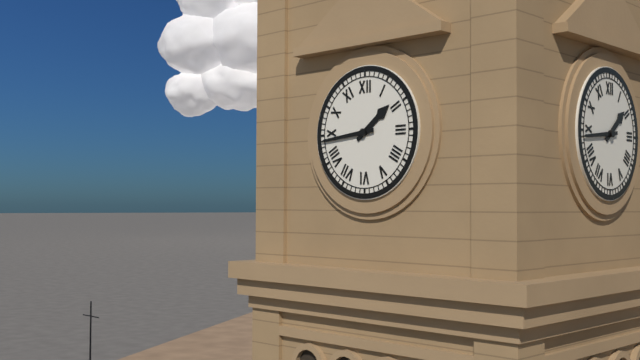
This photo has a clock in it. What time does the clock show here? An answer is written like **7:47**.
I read **1:44**
